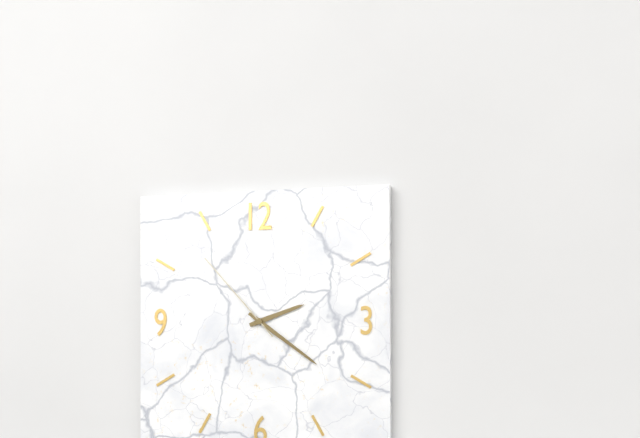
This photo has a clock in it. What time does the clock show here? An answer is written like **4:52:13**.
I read **2:21:53**
